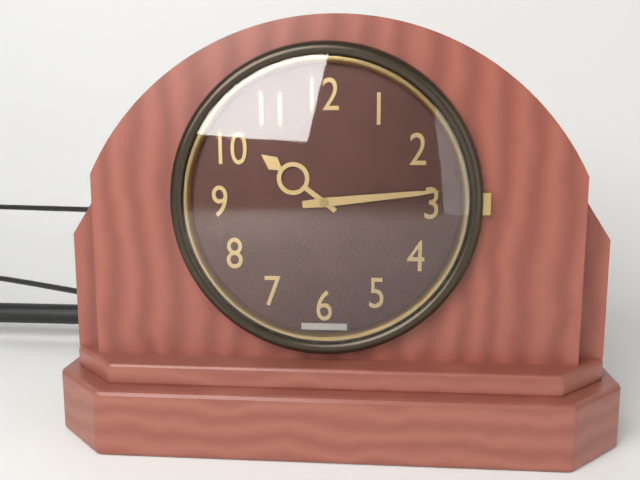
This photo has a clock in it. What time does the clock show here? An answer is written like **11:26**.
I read **10:14**
